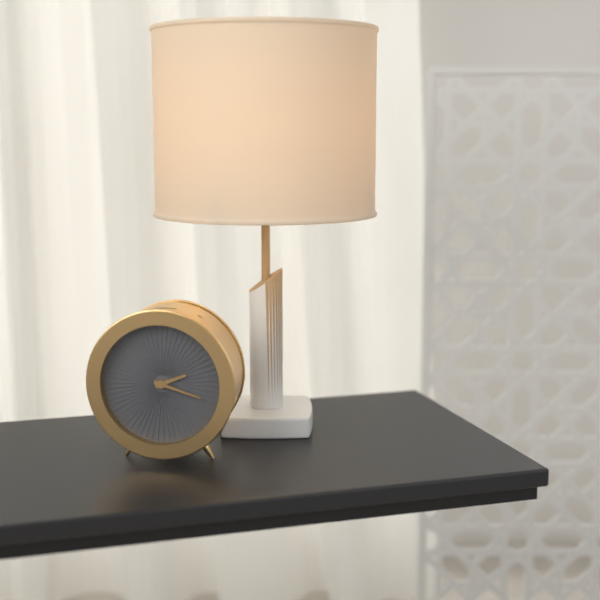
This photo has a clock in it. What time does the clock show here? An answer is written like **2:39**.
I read **2:18**
